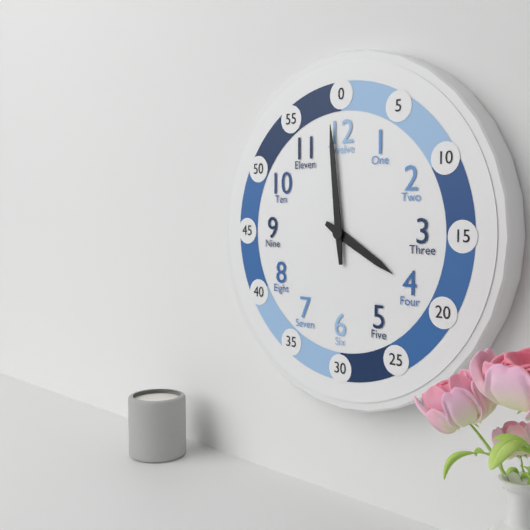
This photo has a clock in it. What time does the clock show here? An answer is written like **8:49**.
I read **3:59**
